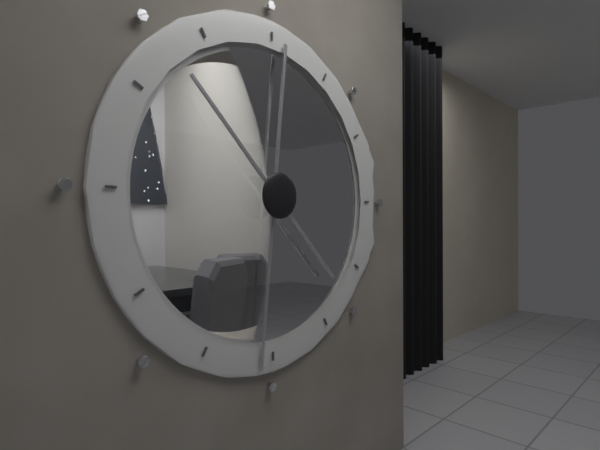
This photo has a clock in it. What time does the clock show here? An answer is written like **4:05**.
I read **10:31**
